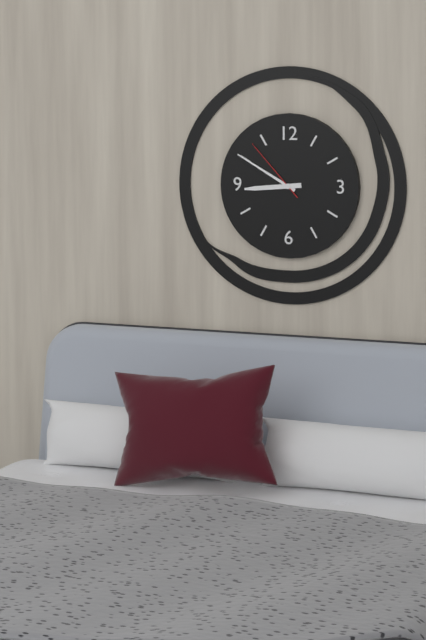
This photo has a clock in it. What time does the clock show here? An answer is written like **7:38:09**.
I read **8:50:53**
